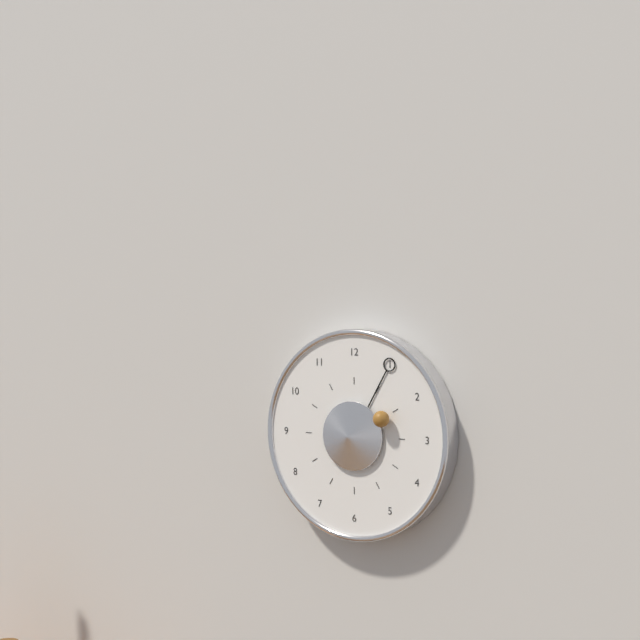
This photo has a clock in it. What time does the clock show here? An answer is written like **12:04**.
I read **2:05**
